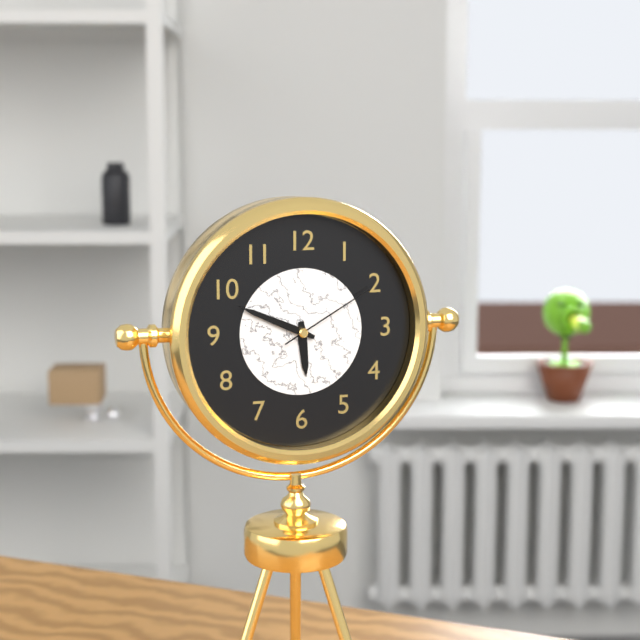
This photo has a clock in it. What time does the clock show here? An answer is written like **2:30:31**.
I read **5:49:10**
